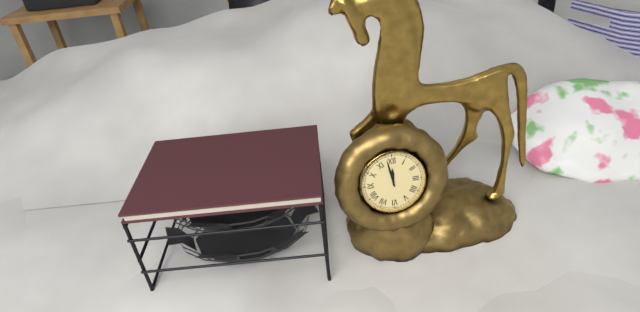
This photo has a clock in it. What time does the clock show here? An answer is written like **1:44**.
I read **11:58**
